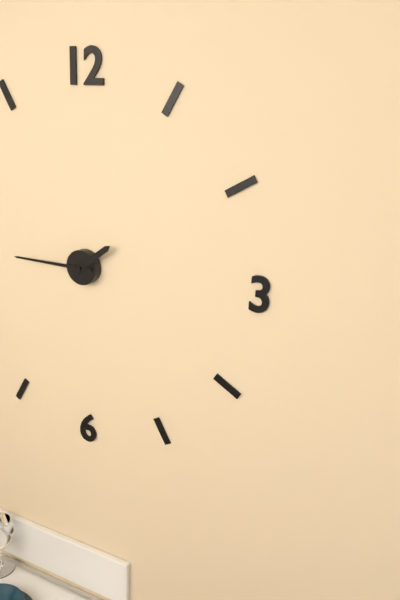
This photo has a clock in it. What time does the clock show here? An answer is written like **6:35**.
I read **1:45**
